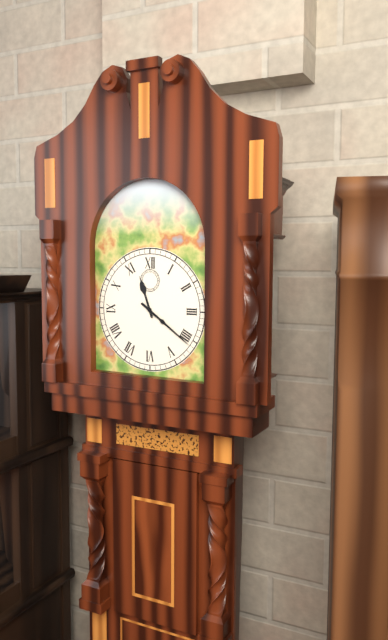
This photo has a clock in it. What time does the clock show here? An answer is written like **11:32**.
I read **11:21**
